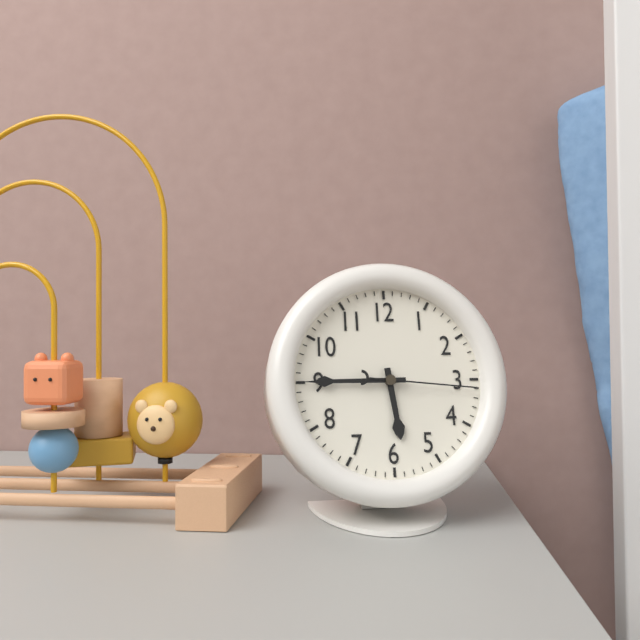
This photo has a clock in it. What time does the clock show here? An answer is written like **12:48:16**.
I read **5:45:16**
